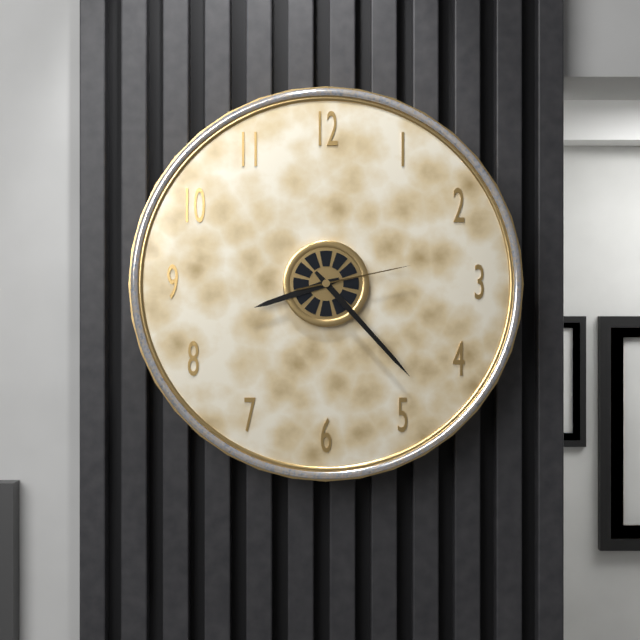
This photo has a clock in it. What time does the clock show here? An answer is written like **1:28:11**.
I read **8:23:13**
